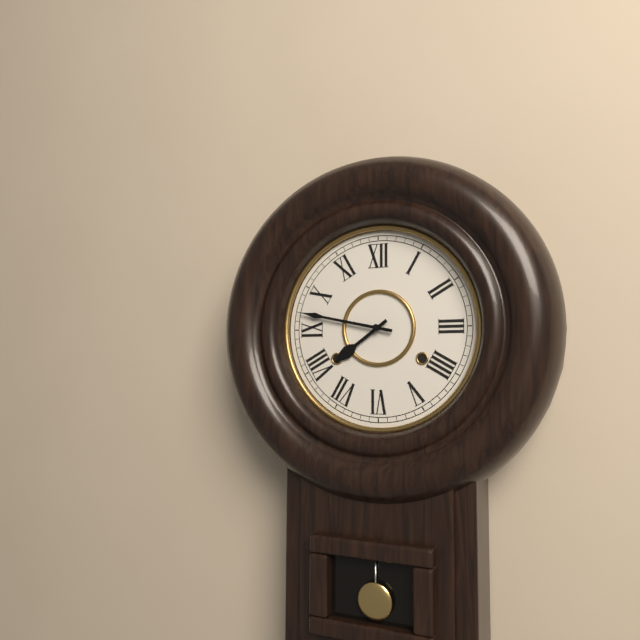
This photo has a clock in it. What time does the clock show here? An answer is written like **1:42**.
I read **7:47**
